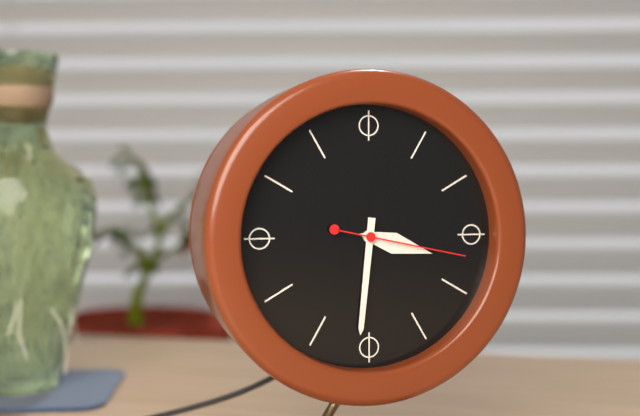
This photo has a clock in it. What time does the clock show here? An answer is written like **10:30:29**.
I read **3:31:17**
